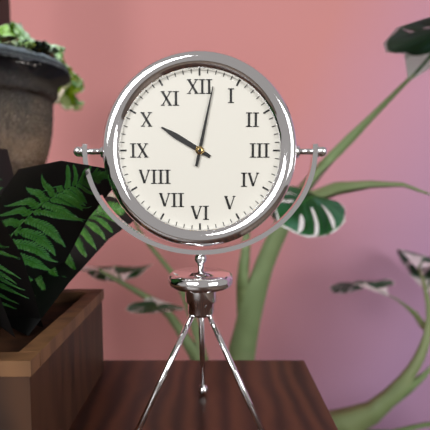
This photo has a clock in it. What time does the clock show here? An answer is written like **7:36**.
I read **10:02**
